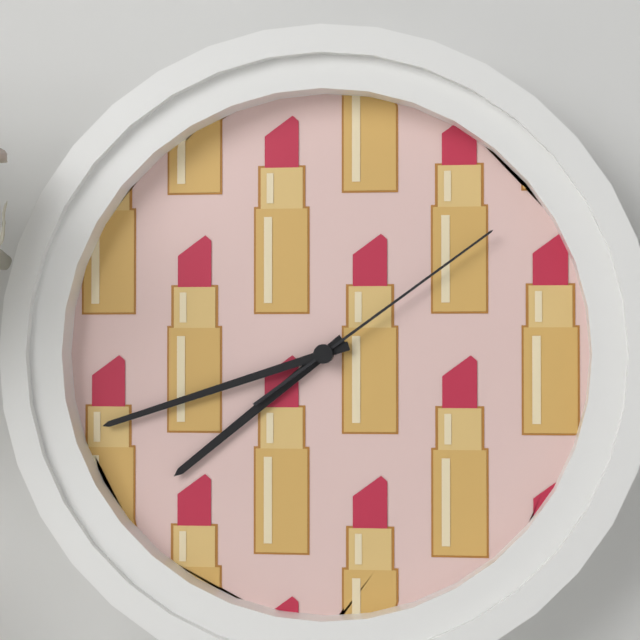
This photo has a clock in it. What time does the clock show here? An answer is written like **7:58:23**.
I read **7:42:09**
